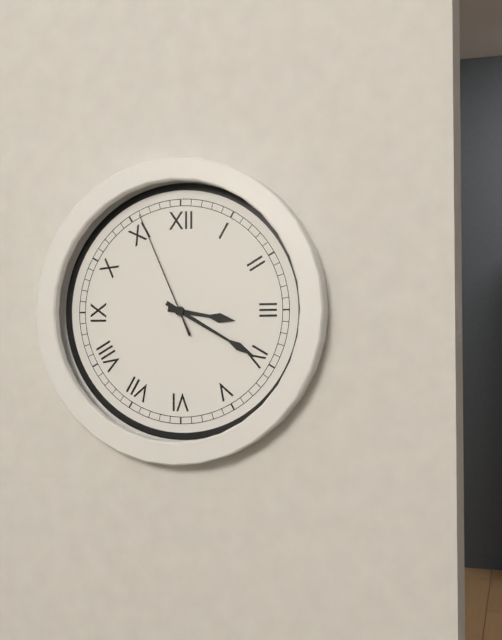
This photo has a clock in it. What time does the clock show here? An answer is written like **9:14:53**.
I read **3:20:56**
